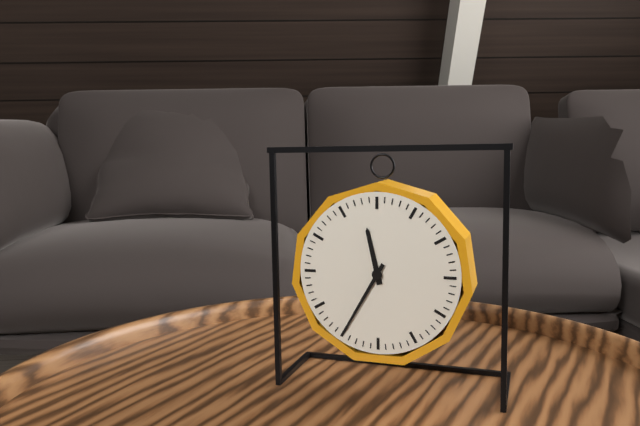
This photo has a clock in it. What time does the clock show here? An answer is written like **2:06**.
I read **11:35**
